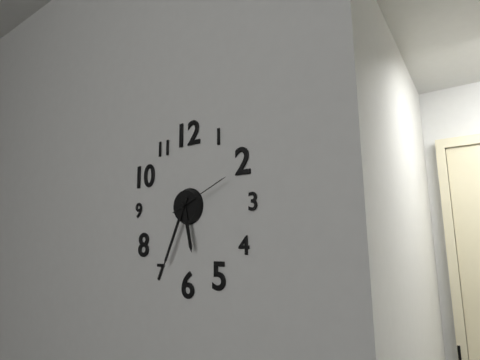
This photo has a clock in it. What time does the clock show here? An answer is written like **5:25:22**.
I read **5:34:11**
